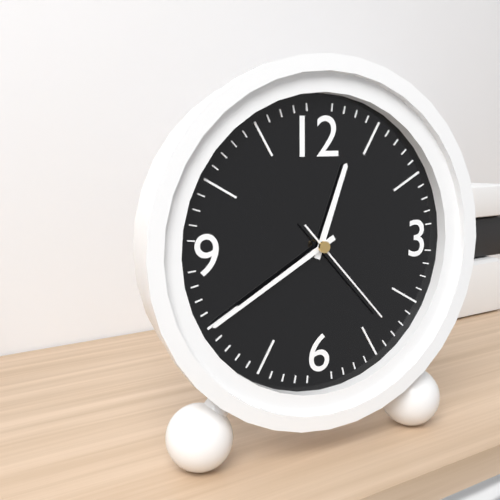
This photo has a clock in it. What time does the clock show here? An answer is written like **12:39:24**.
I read **12:40:23**
